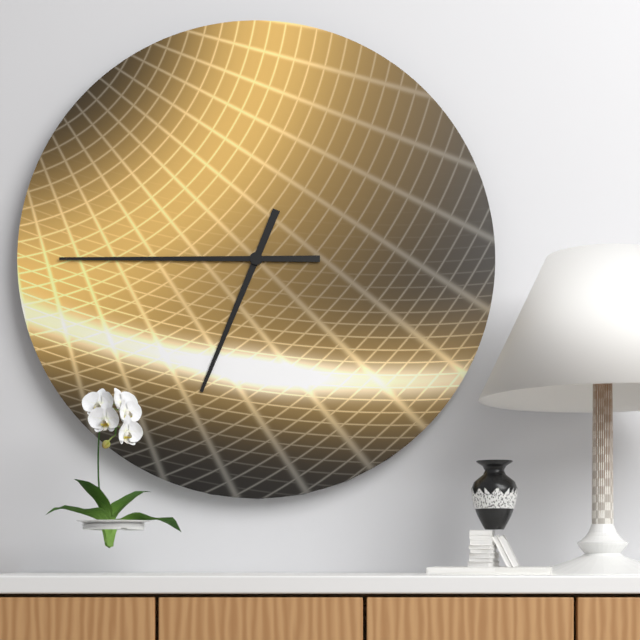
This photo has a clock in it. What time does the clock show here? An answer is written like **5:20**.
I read **6:45**
